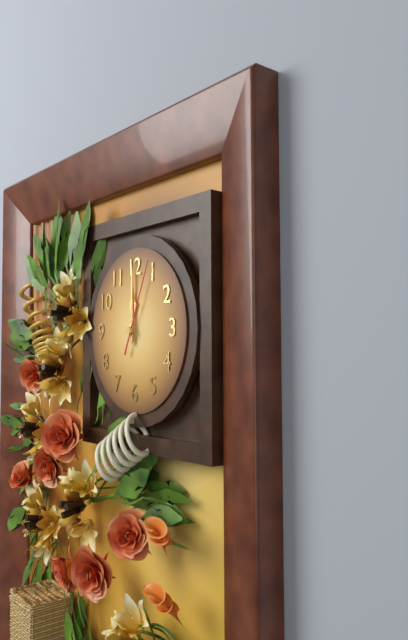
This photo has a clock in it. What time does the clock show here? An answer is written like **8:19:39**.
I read **12:00:04**
